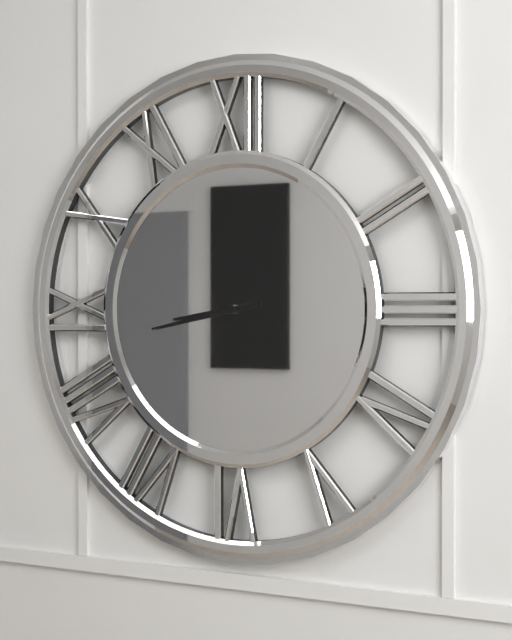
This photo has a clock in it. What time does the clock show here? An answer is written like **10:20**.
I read **8:43**
